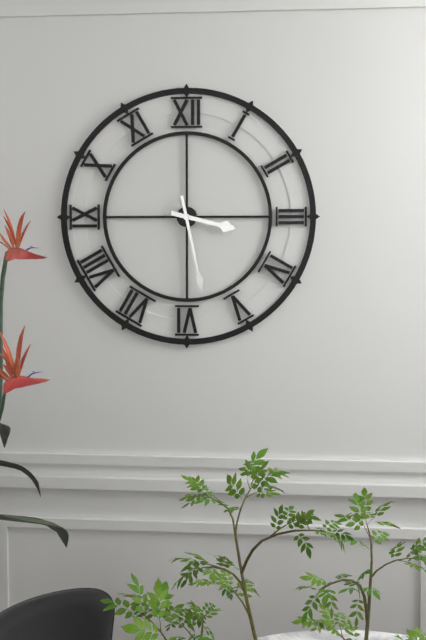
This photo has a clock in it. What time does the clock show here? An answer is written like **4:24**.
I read **3:28**
